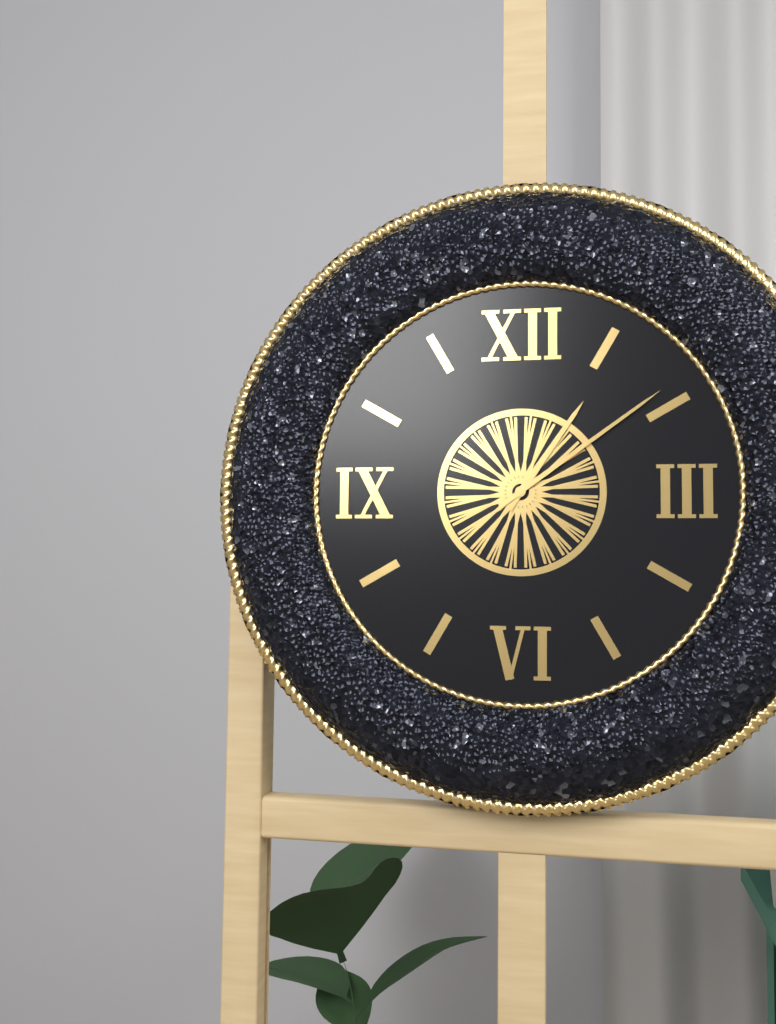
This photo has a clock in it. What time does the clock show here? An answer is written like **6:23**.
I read **1:09**
